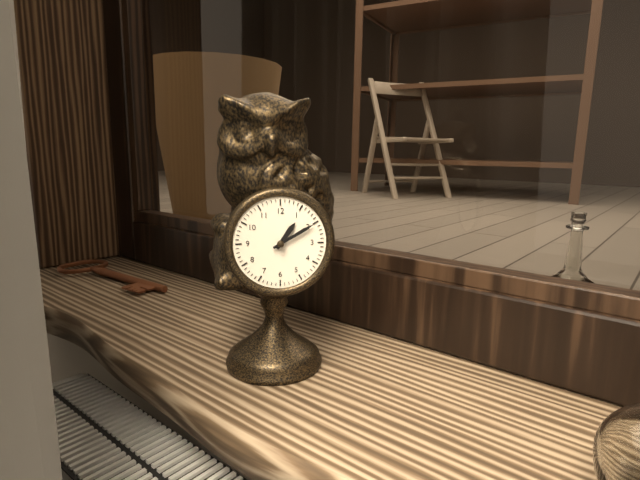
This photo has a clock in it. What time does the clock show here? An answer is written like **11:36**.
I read **1:10**
